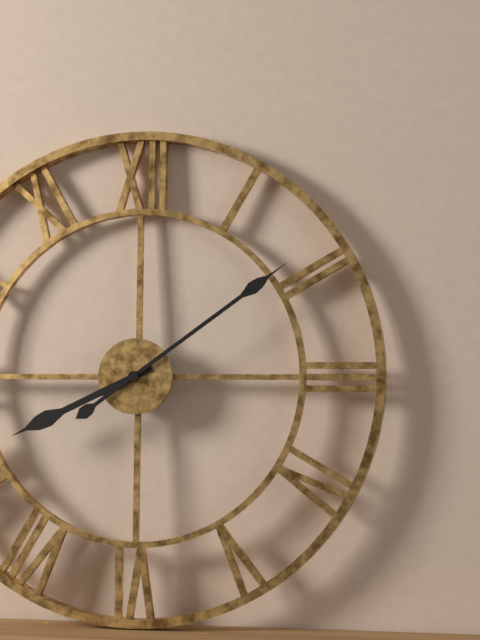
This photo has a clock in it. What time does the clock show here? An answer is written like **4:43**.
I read **8:09**
